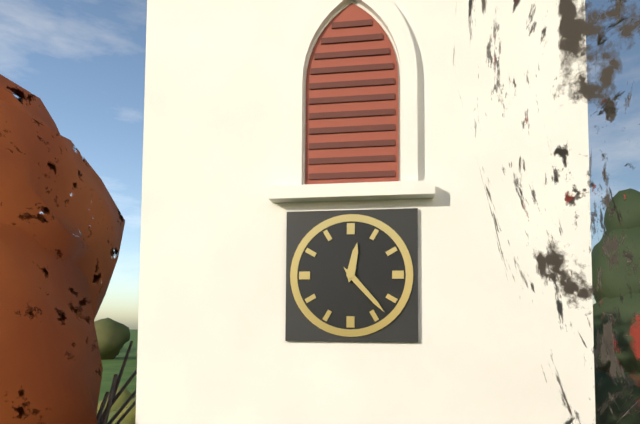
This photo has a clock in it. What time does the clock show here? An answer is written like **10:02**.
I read **12:23**
